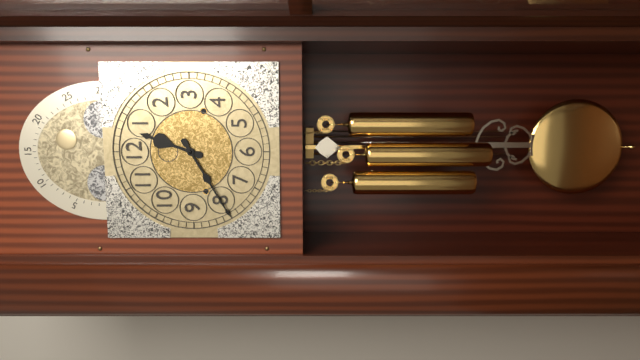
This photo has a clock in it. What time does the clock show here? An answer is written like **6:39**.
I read **12:40**
